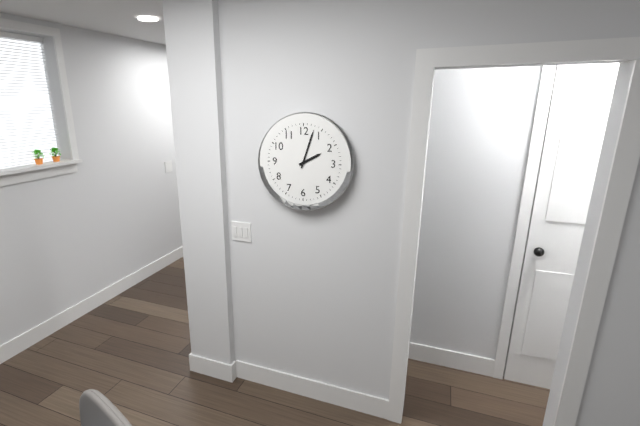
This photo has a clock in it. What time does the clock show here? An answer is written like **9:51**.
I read **2:03**
